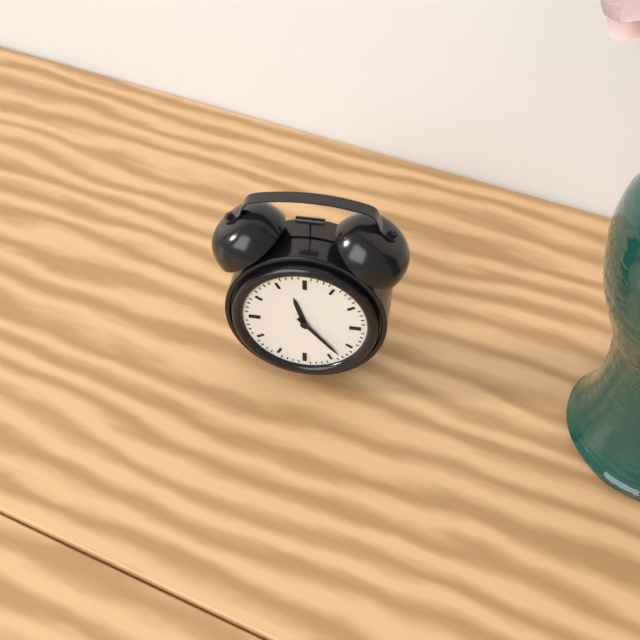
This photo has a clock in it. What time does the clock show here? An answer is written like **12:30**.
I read **11:23**
